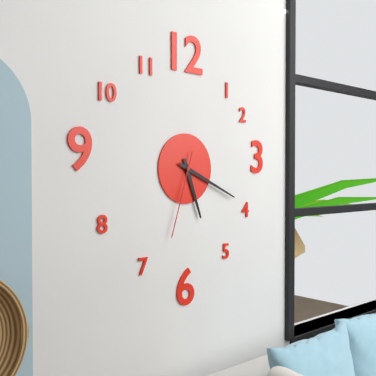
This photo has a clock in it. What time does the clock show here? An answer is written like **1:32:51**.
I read **5:19:33**
